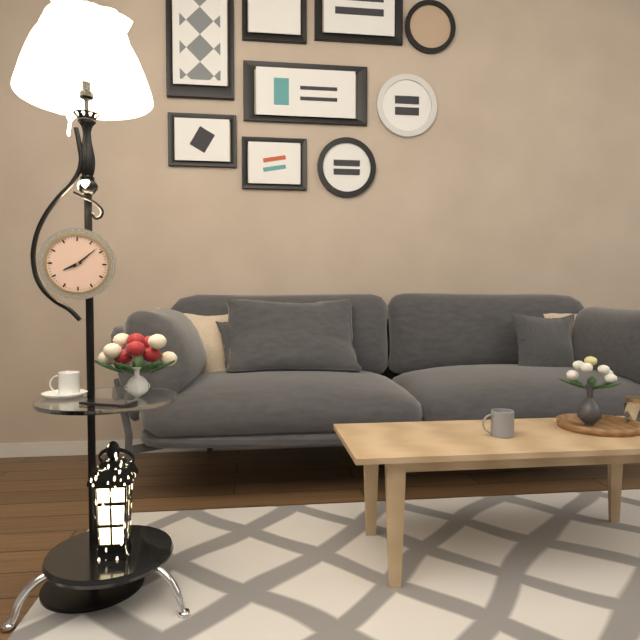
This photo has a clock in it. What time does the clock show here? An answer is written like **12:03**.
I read **8:08**
